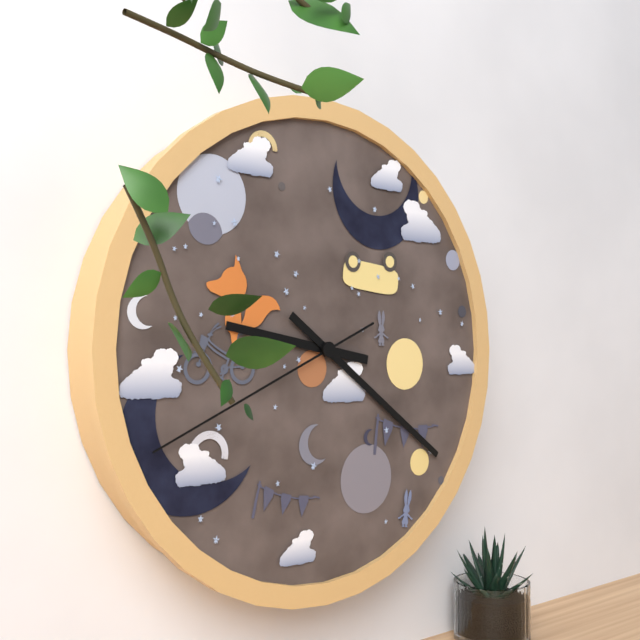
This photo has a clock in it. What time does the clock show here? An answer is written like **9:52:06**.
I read **9:21:41**
